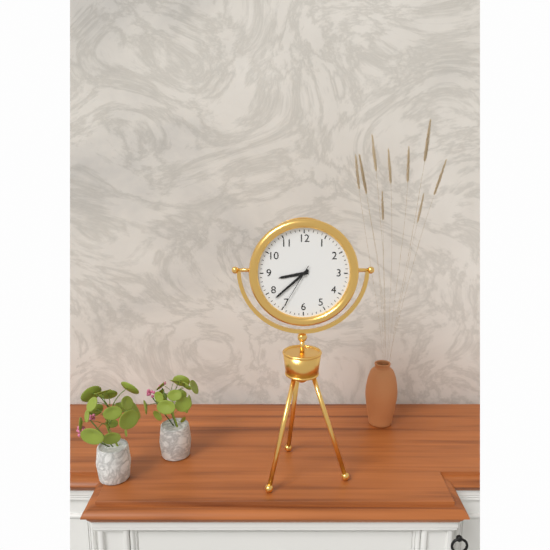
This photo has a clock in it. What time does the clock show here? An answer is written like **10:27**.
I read **8:38**
